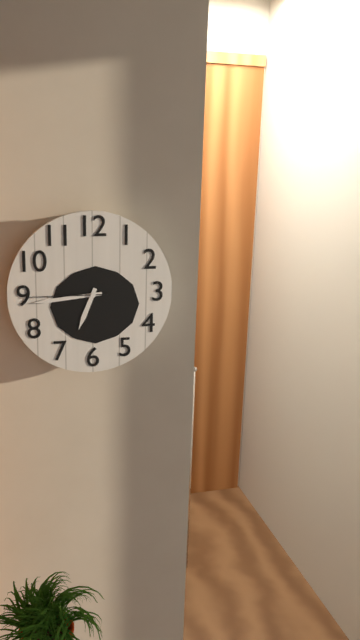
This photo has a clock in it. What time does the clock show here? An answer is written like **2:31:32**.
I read **6:44:45**
